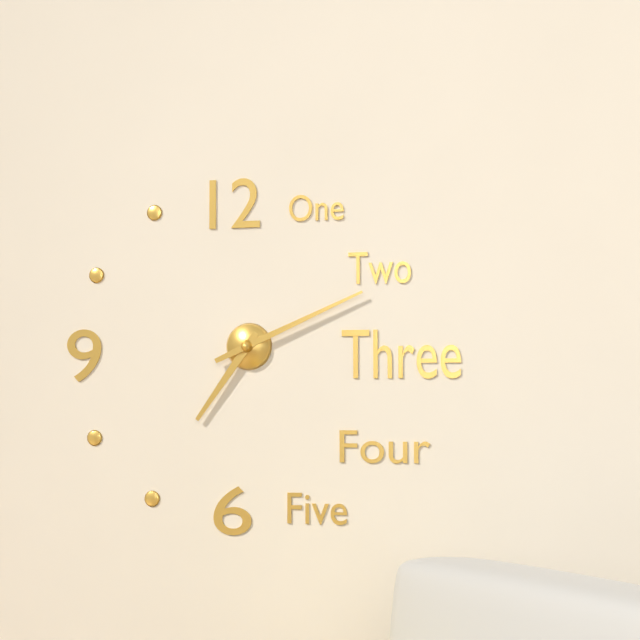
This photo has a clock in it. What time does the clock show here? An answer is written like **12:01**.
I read **7:11**
